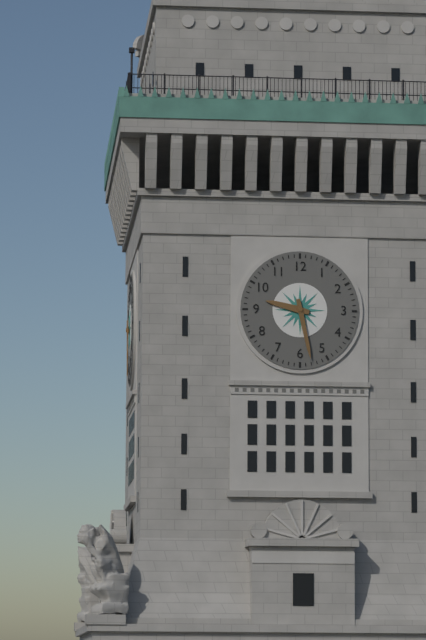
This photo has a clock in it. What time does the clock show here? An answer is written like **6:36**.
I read **9:28**
